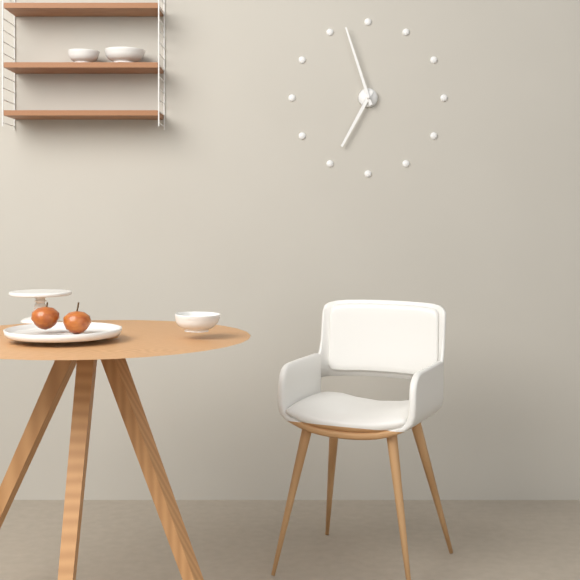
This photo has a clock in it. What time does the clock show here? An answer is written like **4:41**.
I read **6:57**
